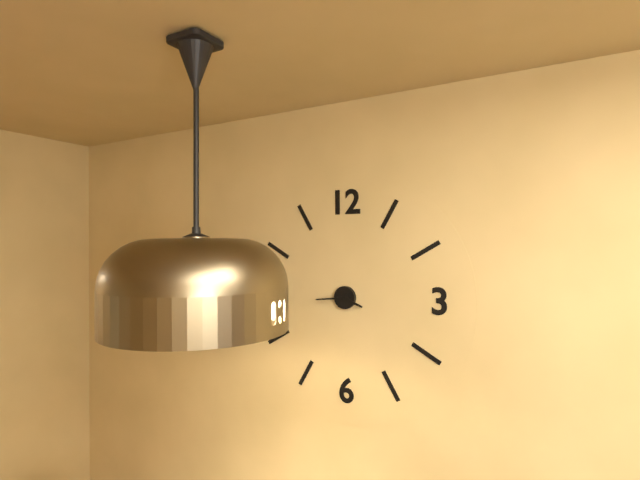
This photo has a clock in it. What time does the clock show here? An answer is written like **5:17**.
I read **3:44**
